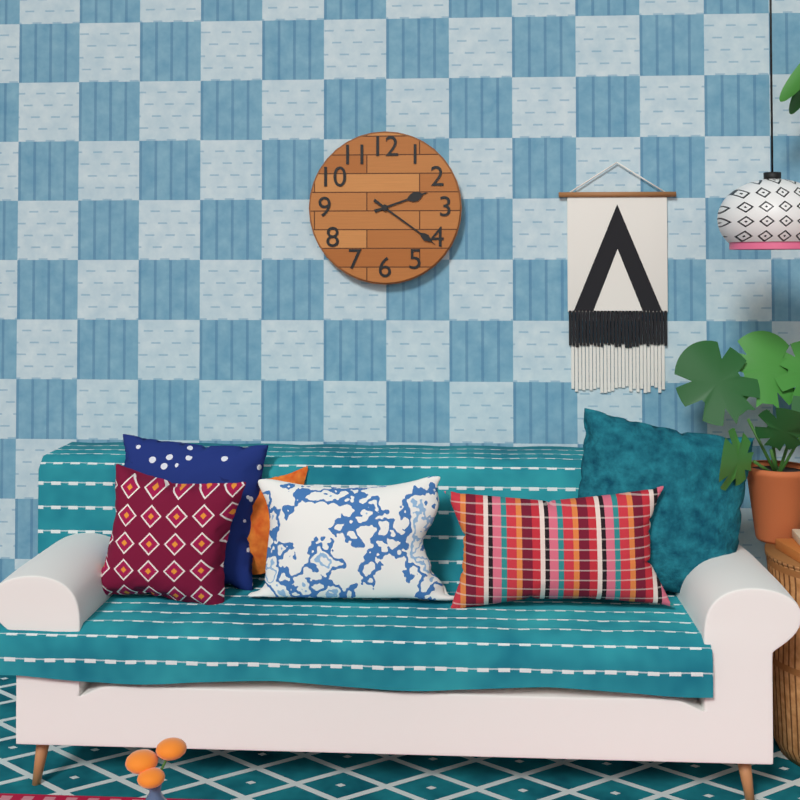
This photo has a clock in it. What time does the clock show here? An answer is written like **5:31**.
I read **2:21**
